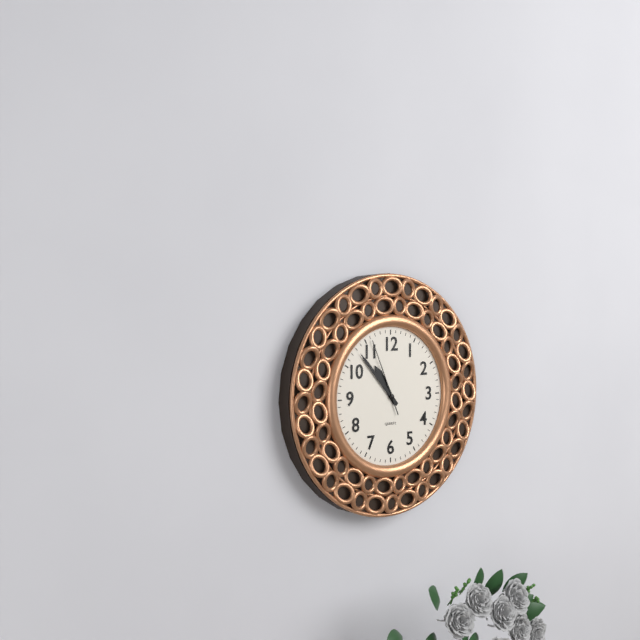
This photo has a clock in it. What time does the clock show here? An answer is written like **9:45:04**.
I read **10:53:56**
